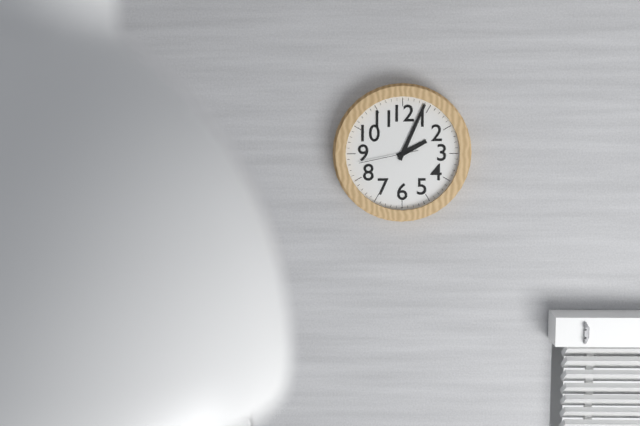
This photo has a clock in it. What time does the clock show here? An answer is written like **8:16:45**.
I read **2:04:43**
